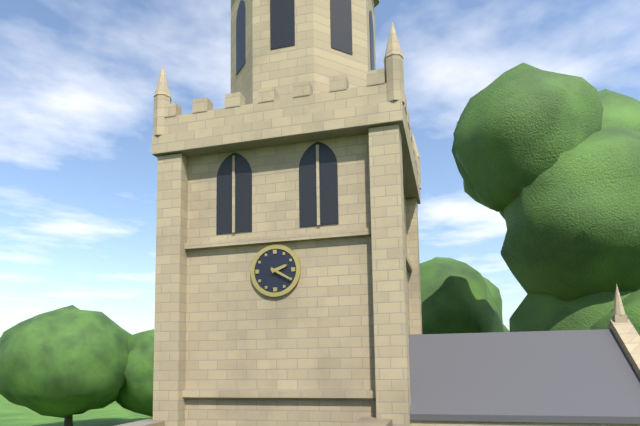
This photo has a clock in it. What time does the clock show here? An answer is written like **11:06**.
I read **2:20**
